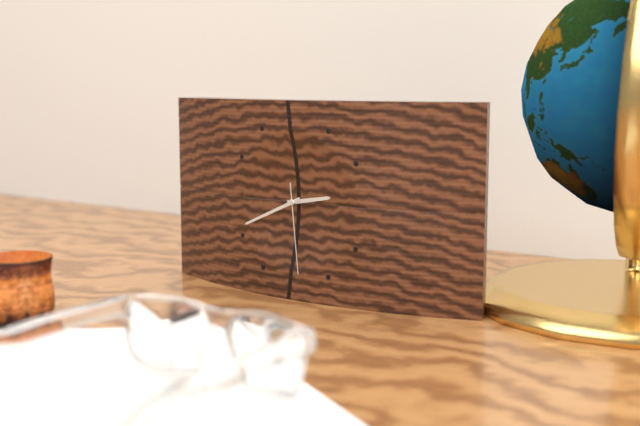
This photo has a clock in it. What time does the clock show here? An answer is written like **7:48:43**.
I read **2:41:29**
